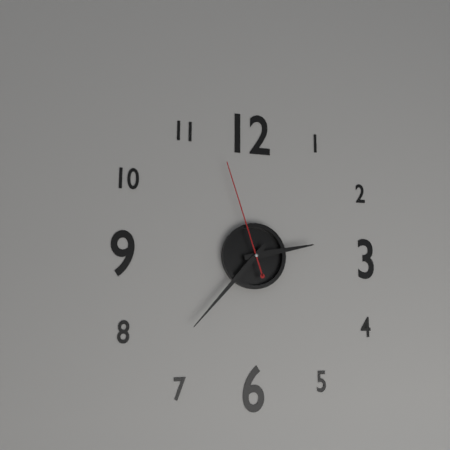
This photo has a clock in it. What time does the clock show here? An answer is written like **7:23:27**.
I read **2:37:57**
